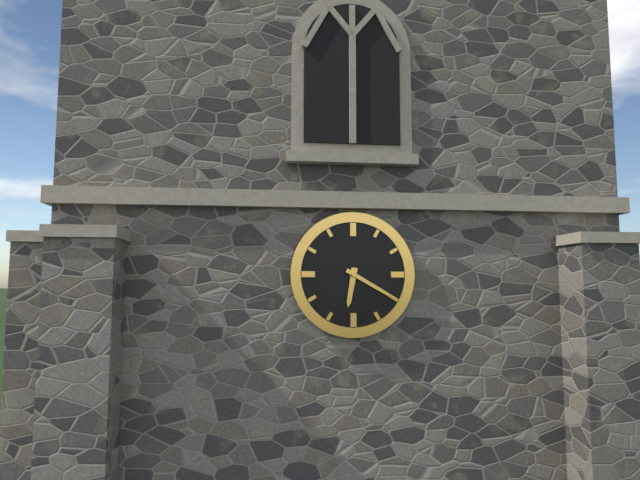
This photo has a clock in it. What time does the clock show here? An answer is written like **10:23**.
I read **6:20**
